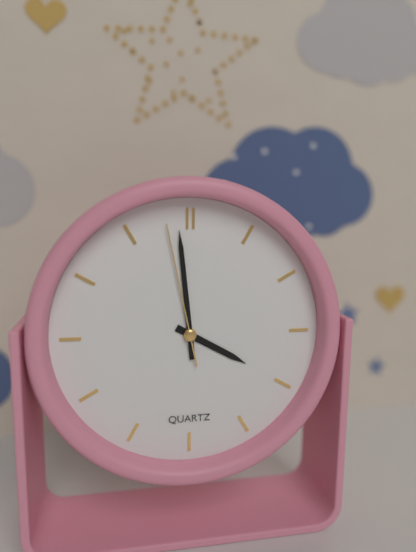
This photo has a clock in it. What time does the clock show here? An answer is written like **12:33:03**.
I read **3:59:58**
